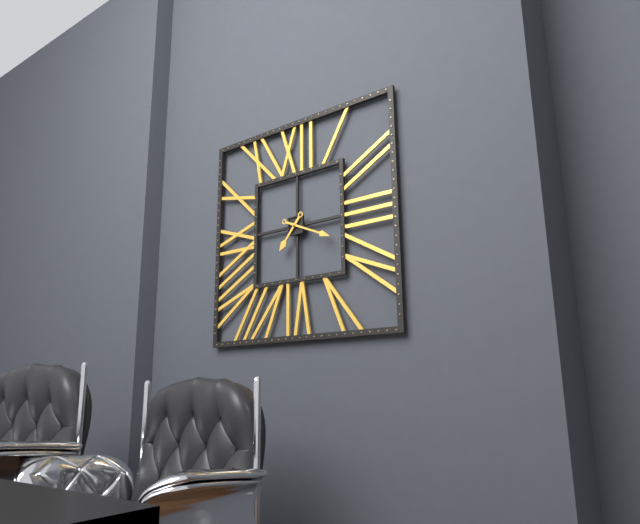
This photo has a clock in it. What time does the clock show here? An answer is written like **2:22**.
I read **7:19**
